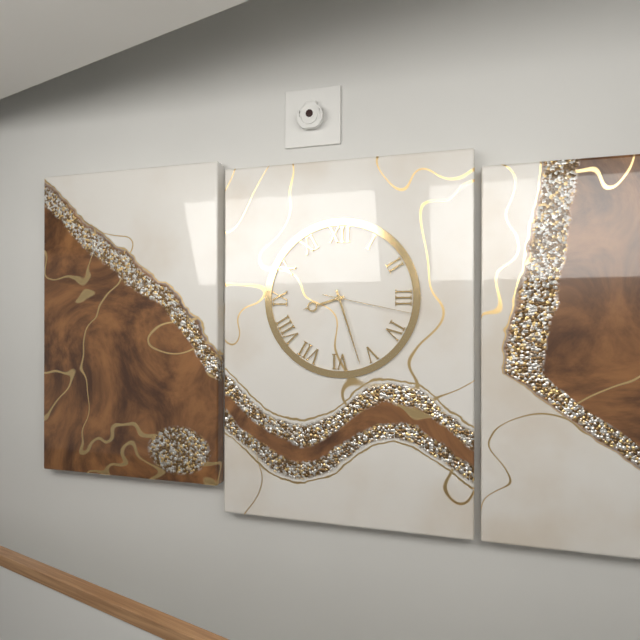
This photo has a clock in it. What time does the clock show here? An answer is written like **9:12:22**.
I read **8:27:17**
